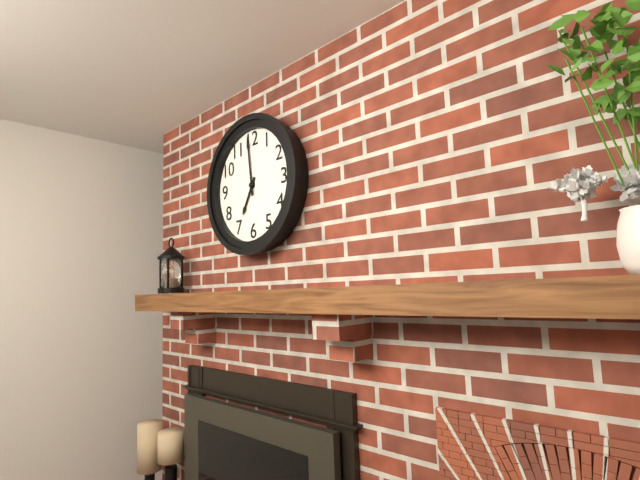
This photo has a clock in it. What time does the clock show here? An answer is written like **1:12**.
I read **6:59**
